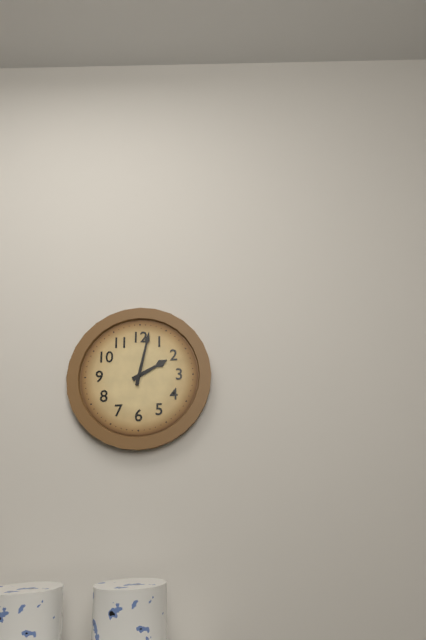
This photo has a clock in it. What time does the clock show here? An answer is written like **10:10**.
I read **2:02**
